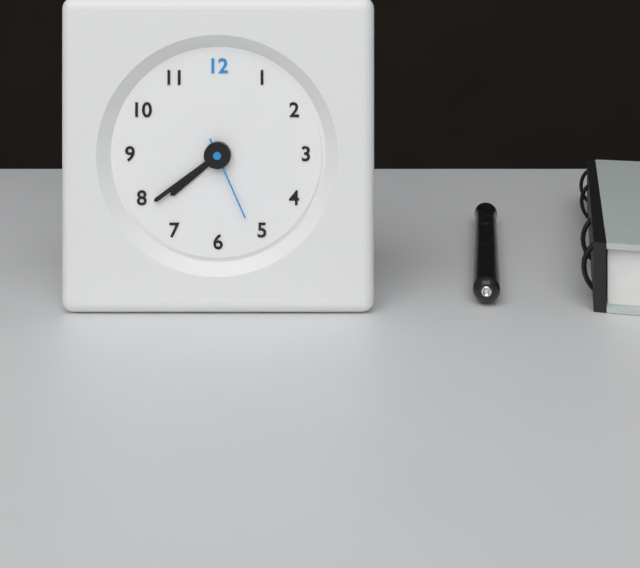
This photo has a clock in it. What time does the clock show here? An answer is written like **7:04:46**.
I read **7:39:26**
